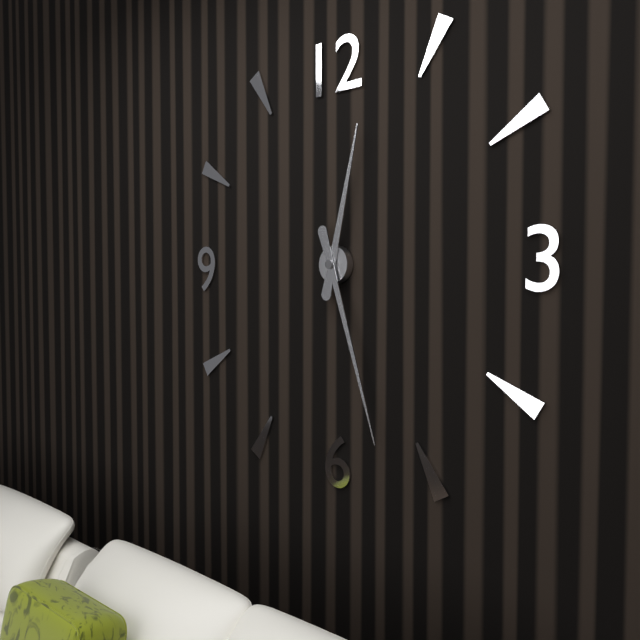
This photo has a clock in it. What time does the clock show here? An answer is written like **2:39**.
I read **12:27**
